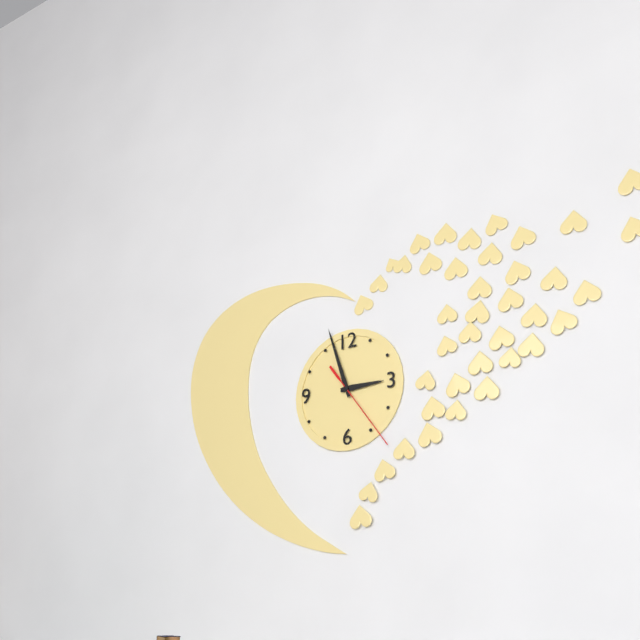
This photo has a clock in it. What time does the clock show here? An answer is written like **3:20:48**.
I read **2:57:24**
